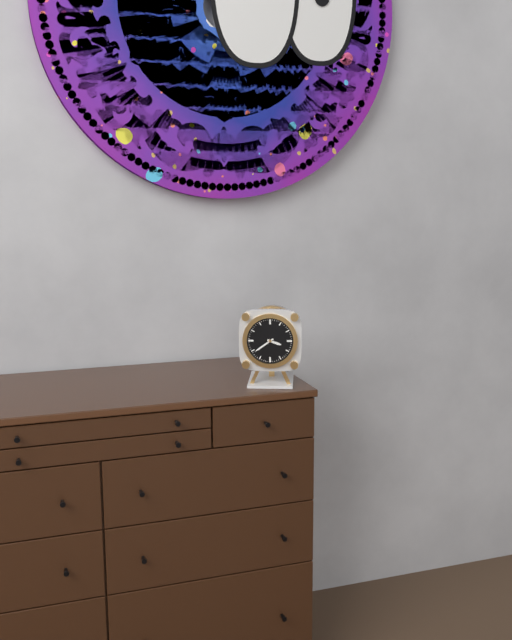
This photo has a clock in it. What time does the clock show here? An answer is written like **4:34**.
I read **3:39**
